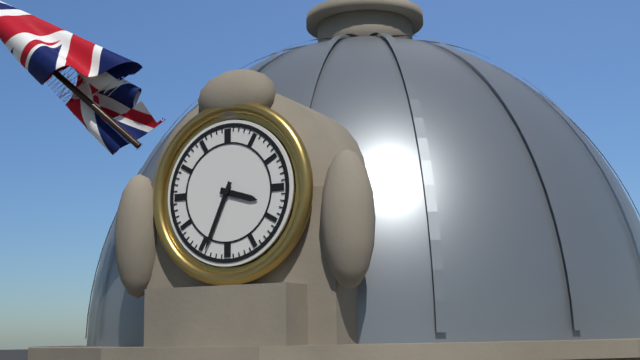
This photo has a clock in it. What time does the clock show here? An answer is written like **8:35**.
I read **3:34**
